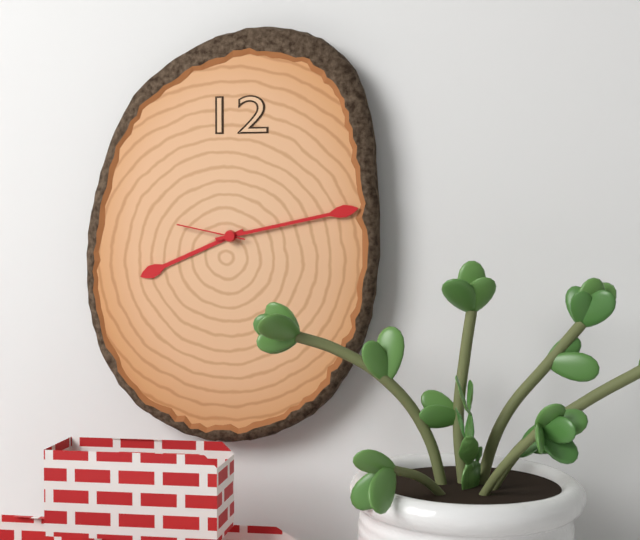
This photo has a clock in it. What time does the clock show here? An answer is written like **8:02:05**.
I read **8:13:47**
